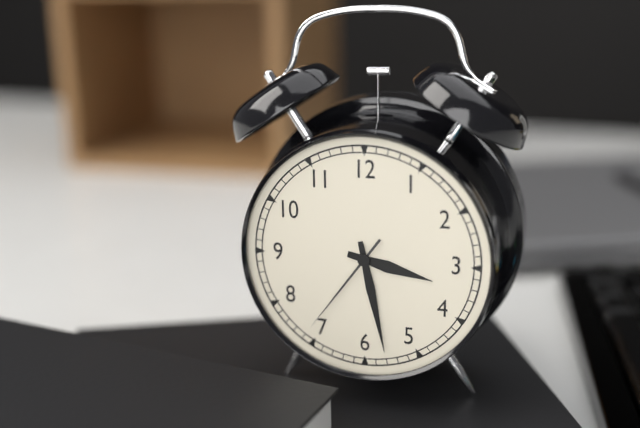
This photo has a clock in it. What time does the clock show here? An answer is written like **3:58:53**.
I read **3:28:36**
